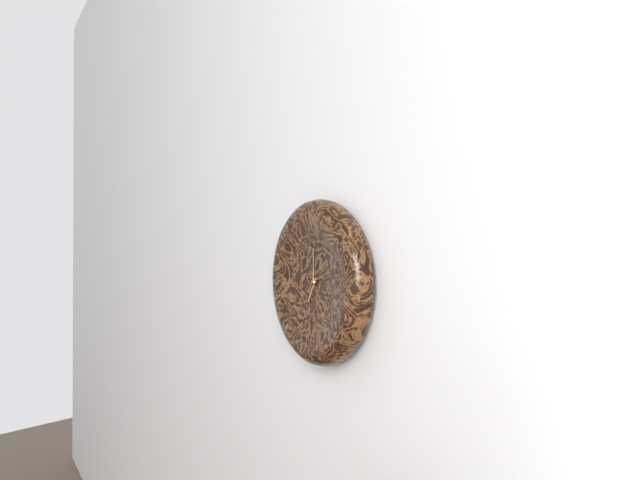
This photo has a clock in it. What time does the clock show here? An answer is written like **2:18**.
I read **7:00**
